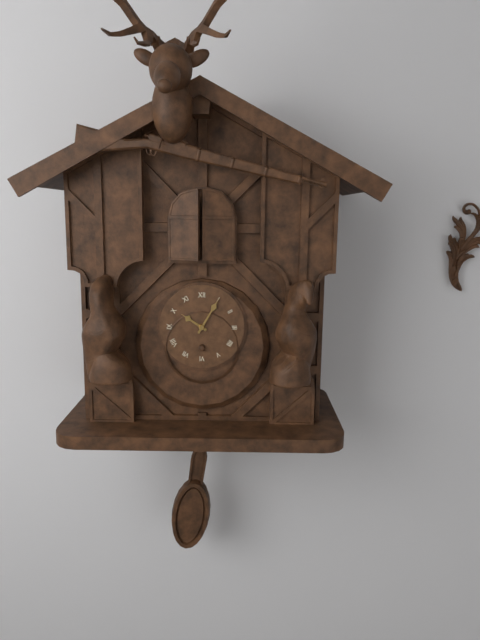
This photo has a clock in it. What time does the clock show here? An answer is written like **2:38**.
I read **10:05**
